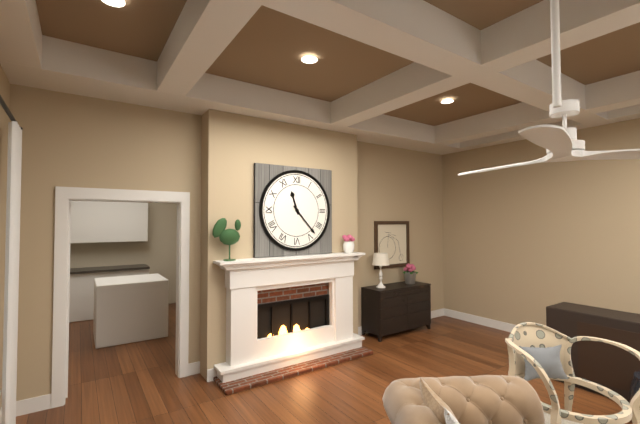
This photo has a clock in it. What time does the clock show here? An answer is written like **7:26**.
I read **11:23**
